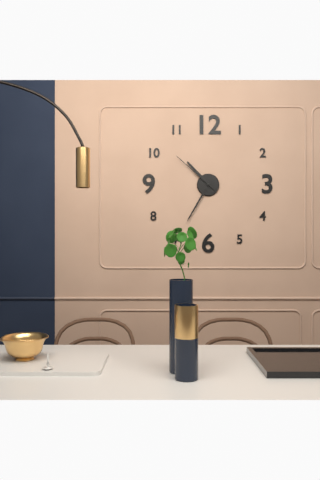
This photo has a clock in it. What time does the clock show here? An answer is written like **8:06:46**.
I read **10:35:52**
